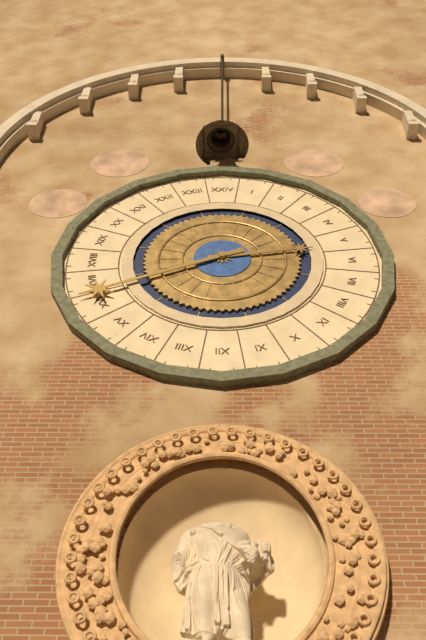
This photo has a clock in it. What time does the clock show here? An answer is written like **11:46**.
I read **2:41**
